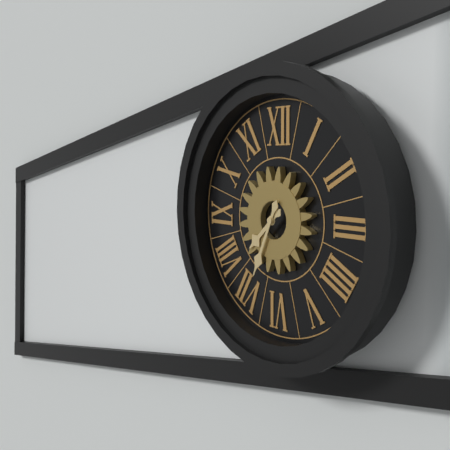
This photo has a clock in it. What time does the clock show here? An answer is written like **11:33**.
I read **7:34**
